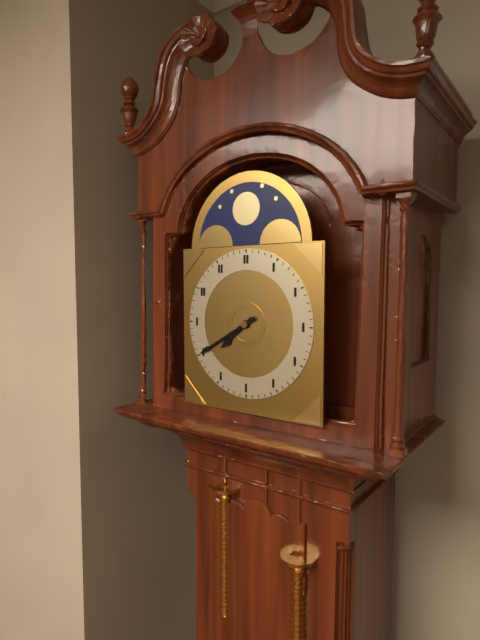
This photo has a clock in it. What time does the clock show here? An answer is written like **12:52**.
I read **7:40**
